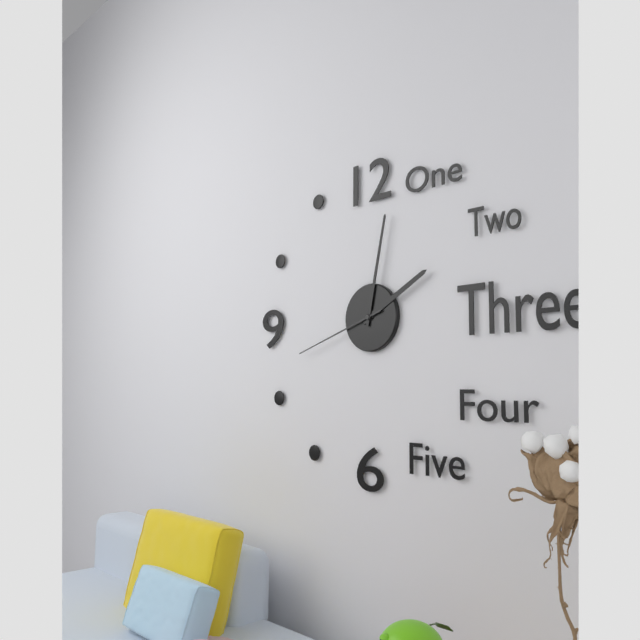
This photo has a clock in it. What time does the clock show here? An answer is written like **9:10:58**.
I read **2:02:42**
